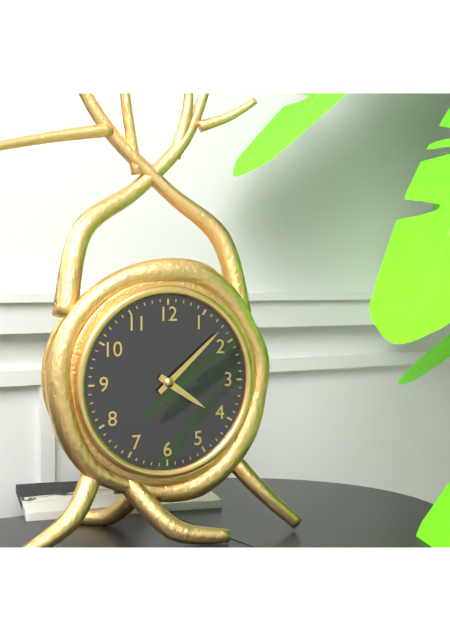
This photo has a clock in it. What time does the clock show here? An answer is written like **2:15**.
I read **4:08**
